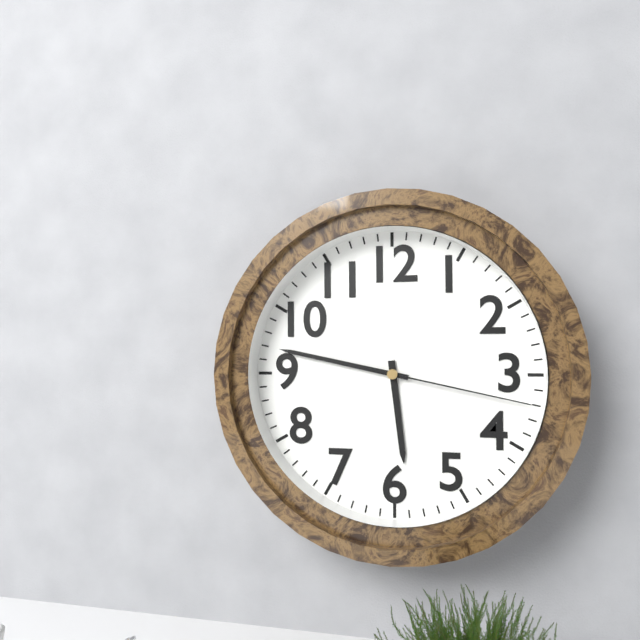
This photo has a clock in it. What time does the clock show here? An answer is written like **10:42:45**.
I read **5:47:17**
